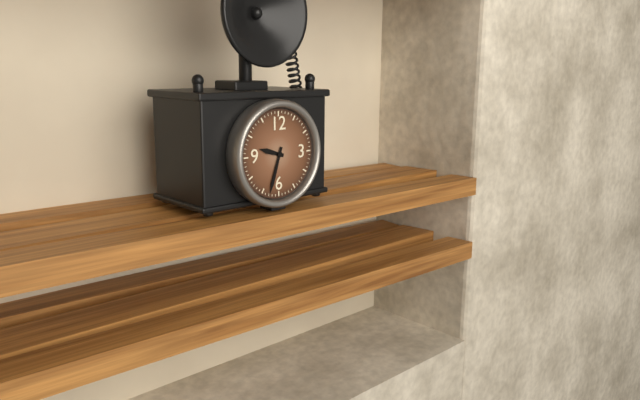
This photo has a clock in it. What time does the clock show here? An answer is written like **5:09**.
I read **9:33**
